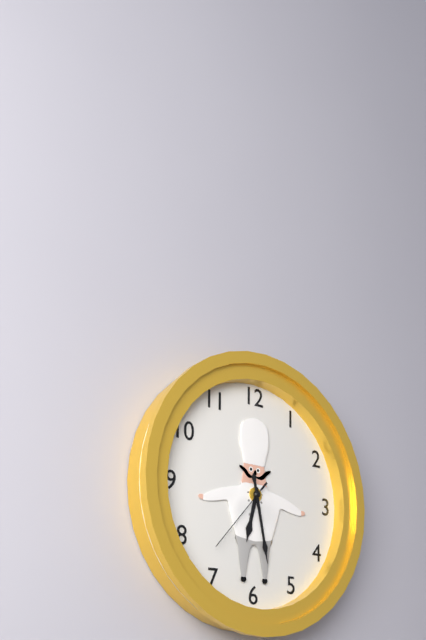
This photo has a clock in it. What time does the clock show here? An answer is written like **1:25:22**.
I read **6:28:37**
